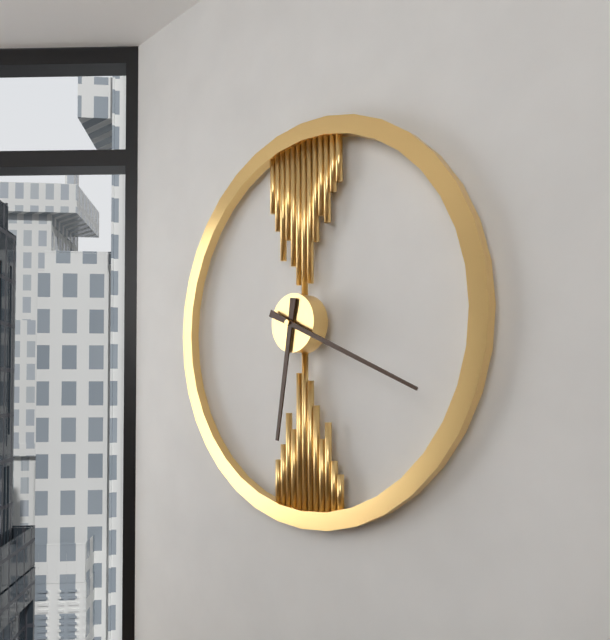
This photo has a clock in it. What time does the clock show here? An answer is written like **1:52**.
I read **6:19**
